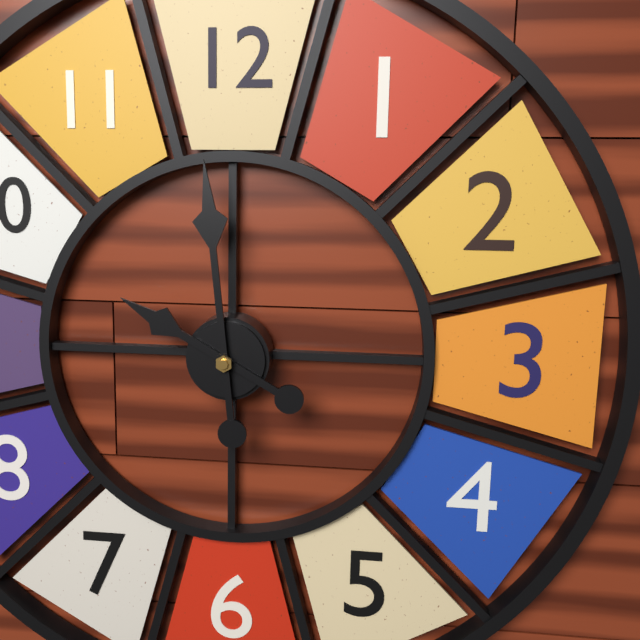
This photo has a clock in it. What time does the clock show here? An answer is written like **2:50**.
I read **9:59**
